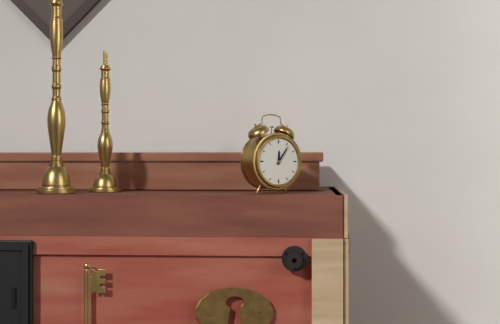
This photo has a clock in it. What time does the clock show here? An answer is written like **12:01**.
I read **12:06**
